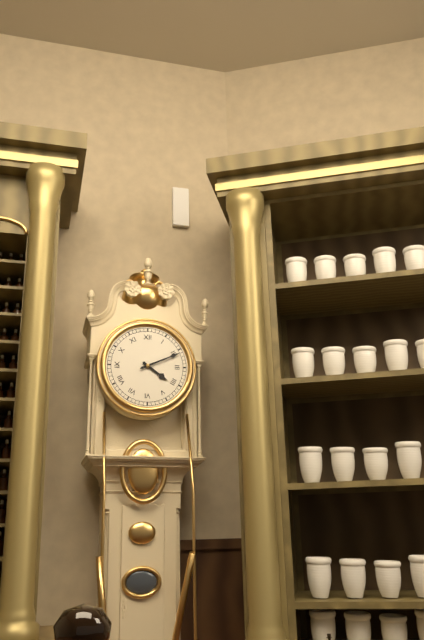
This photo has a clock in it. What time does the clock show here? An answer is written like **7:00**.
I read **4:11**
